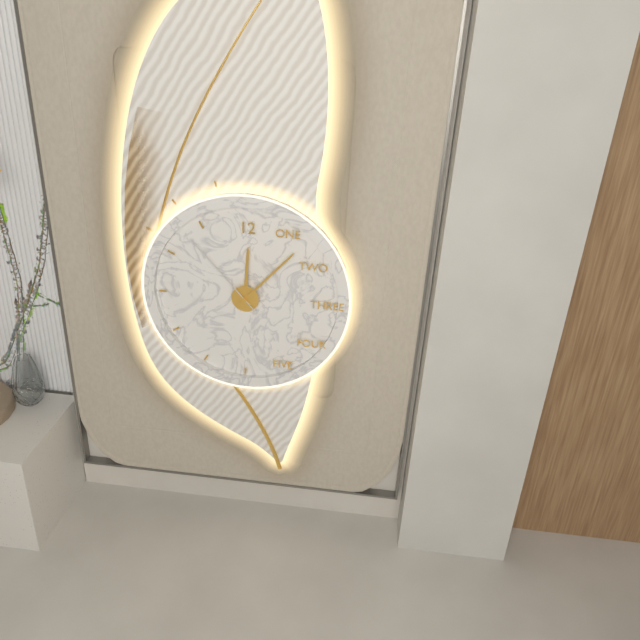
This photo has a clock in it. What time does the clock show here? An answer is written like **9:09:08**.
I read **12:07:53**
